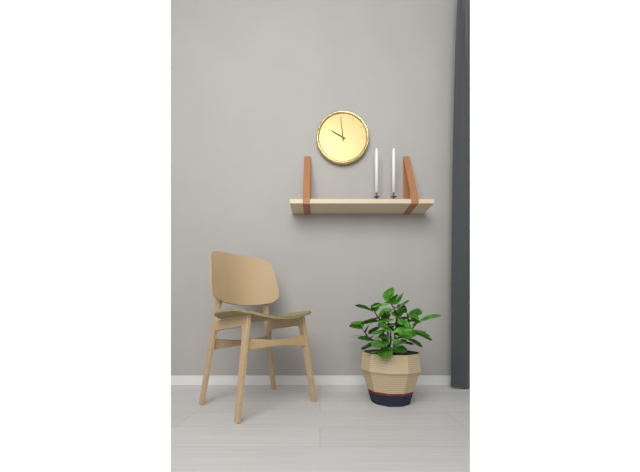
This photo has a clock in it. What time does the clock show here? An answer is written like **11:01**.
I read **9:59**
